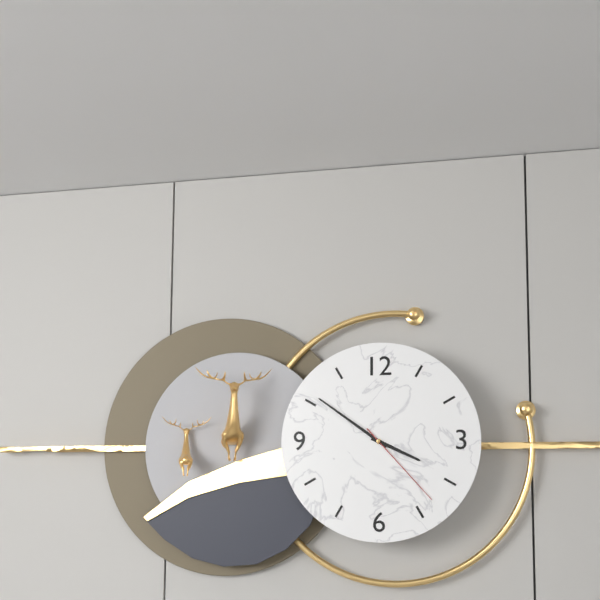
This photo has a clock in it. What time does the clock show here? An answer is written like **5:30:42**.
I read **3:51:23**
